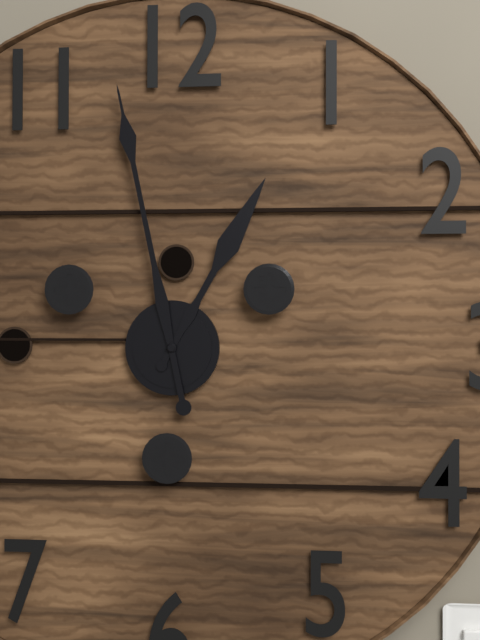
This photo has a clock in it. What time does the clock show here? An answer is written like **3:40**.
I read **12:58**
